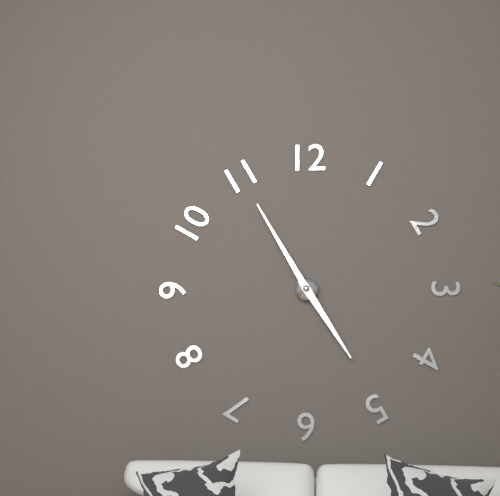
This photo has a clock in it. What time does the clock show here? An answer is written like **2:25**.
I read **4:55**
